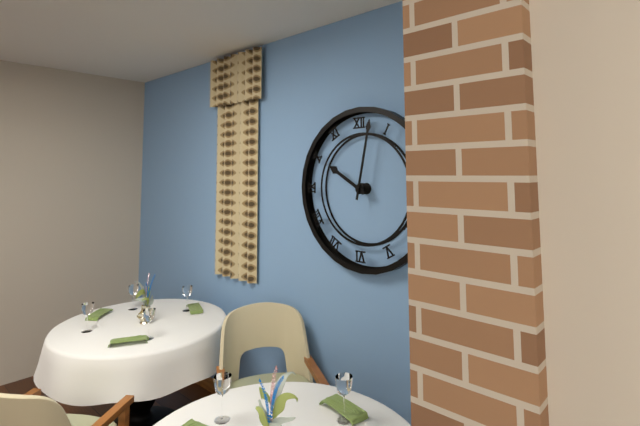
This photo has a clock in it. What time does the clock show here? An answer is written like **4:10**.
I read **10:02**
